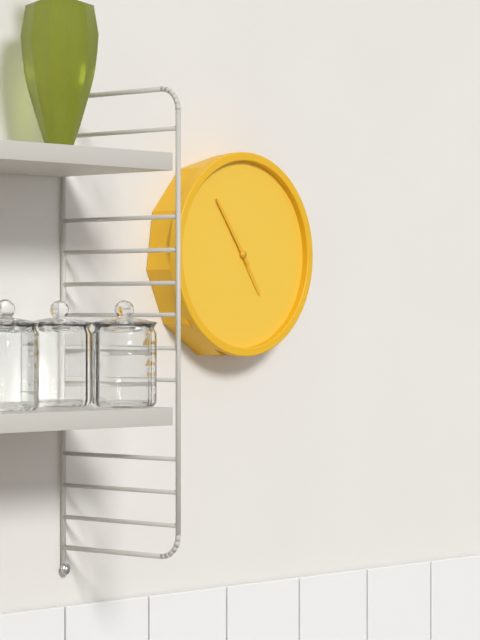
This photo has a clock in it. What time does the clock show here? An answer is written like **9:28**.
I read **4:54**
